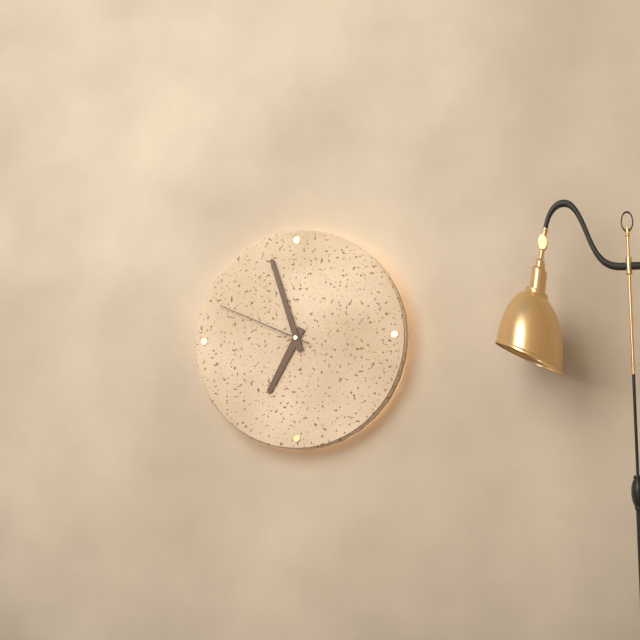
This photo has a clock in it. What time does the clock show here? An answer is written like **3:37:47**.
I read **6:57:49**
